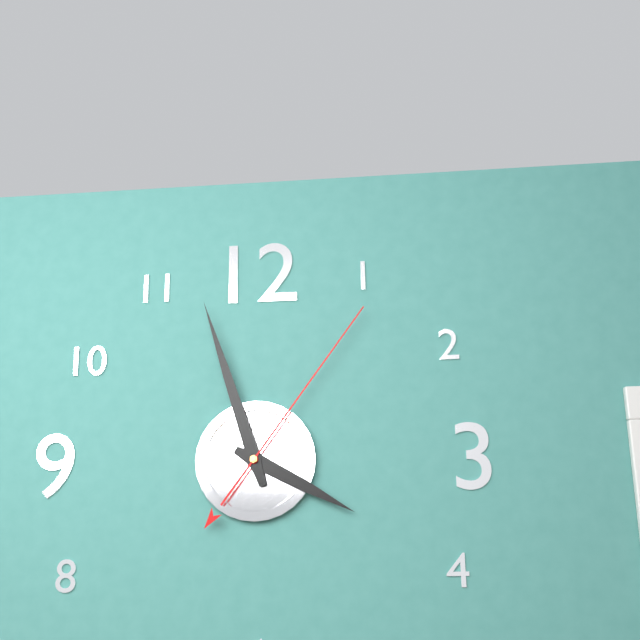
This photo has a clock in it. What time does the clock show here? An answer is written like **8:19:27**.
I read **3:57:06**
